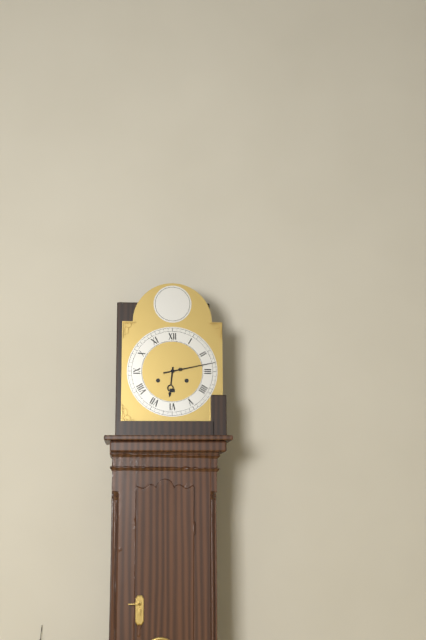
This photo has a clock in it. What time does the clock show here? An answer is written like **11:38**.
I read **6:13**
